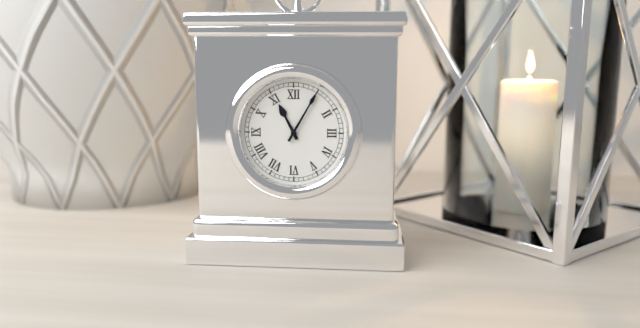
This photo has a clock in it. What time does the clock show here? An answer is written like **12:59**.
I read **11:05**
